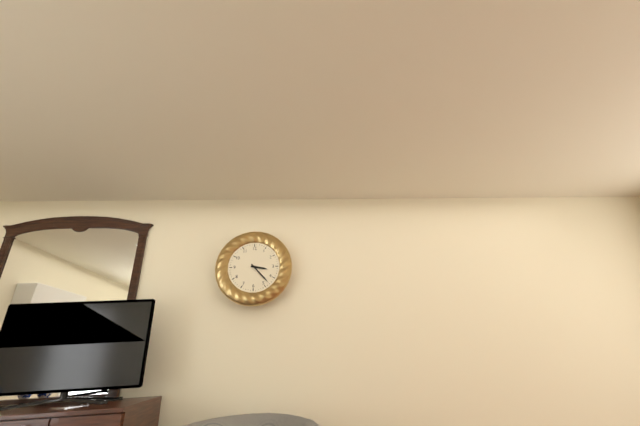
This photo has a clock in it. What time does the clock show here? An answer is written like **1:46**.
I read **3:23**
